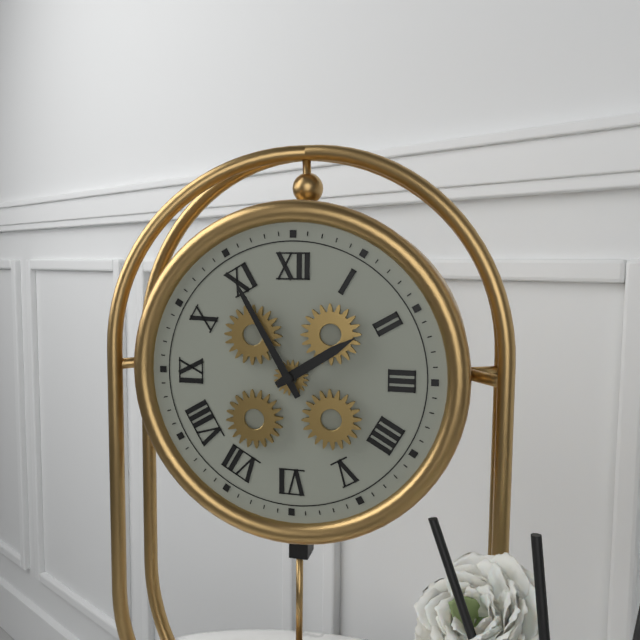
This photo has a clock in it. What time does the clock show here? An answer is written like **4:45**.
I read **1:55**
